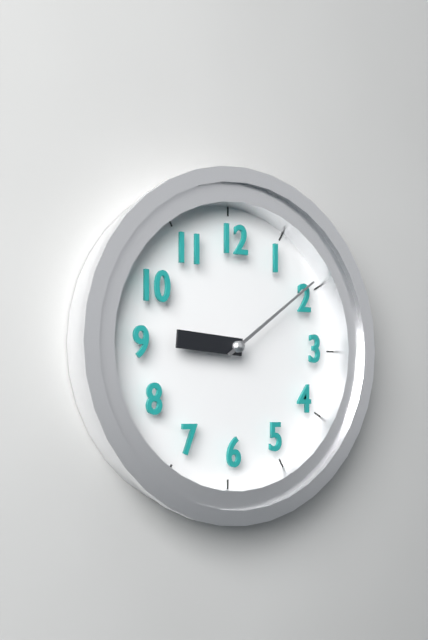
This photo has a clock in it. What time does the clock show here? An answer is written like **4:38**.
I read **9:09**
